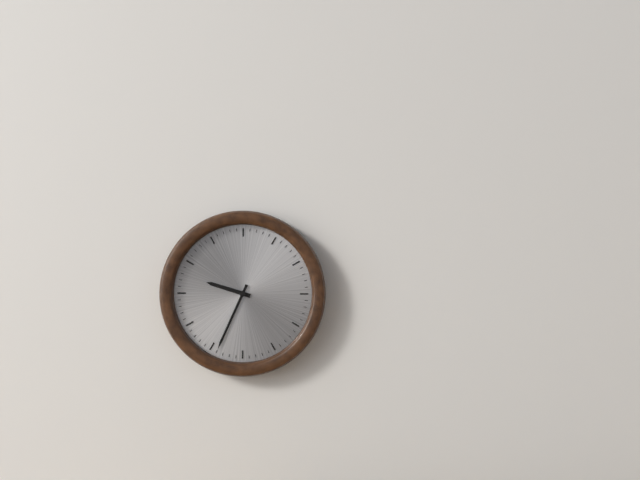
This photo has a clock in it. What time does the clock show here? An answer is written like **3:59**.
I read **9:34**
